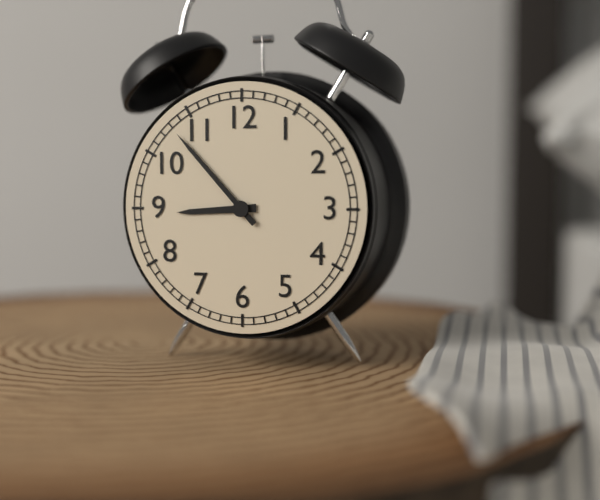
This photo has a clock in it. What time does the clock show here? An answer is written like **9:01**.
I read **8:53**
